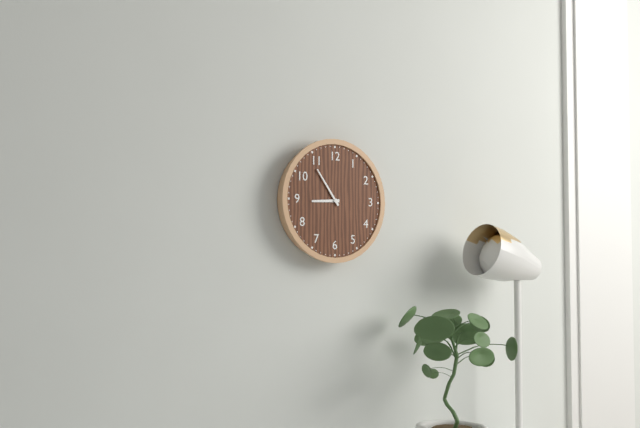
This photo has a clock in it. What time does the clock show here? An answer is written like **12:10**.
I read **8:54**
